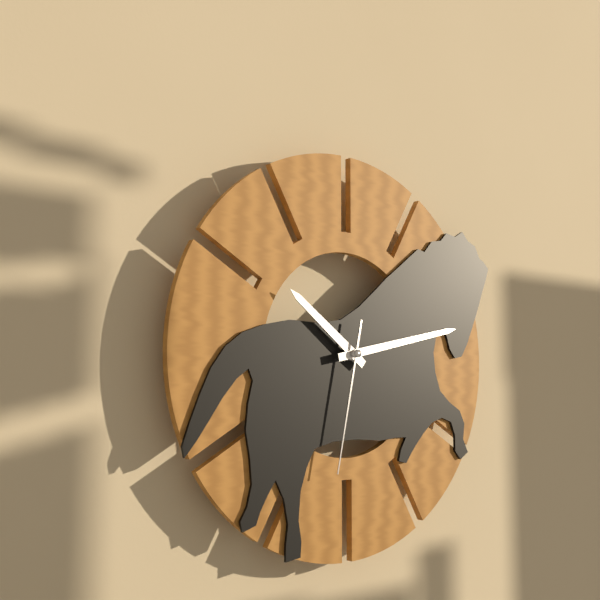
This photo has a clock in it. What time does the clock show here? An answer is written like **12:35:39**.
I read **10:13:32**
